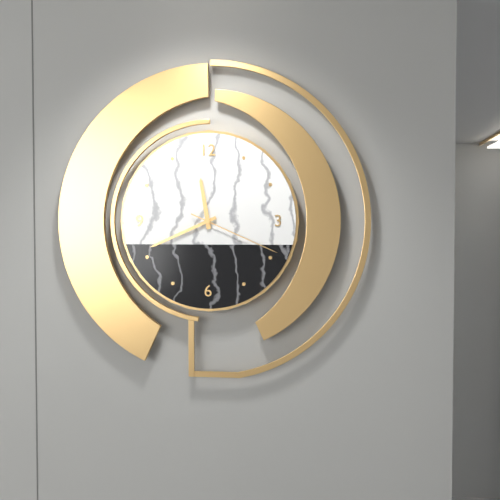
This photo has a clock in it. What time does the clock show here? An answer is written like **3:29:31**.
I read **11:41:19**
